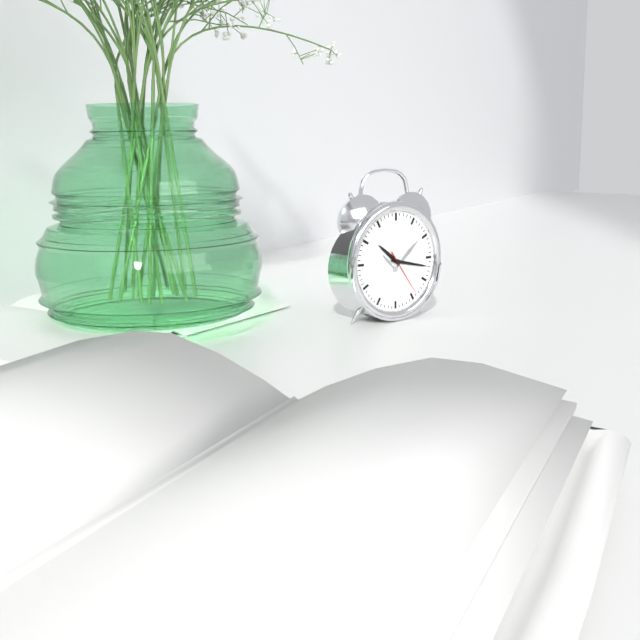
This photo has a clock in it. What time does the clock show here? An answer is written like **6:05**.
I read **10:17**
